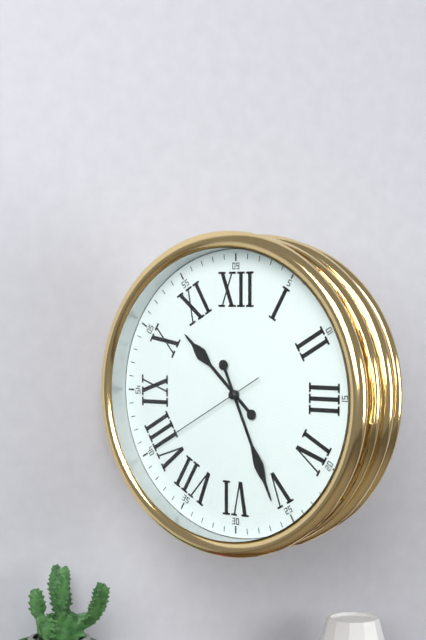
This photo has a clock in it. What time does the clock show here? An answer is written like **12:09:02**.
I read **10:26:40**
